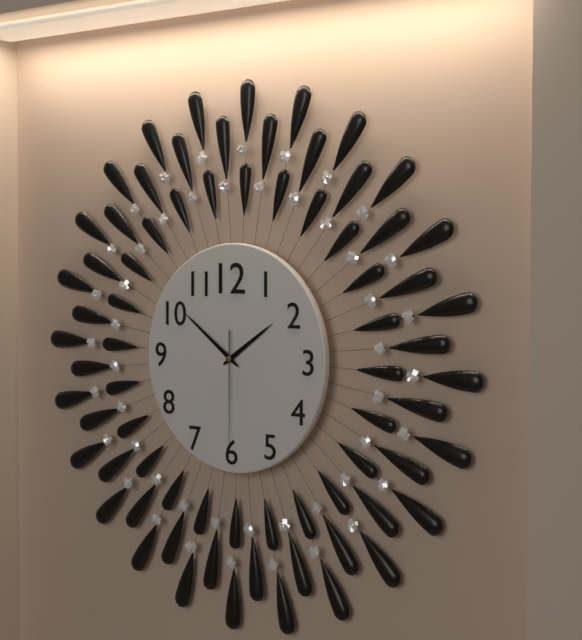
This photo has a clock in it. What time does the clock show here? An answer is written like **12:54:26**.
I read **1:51:30**
